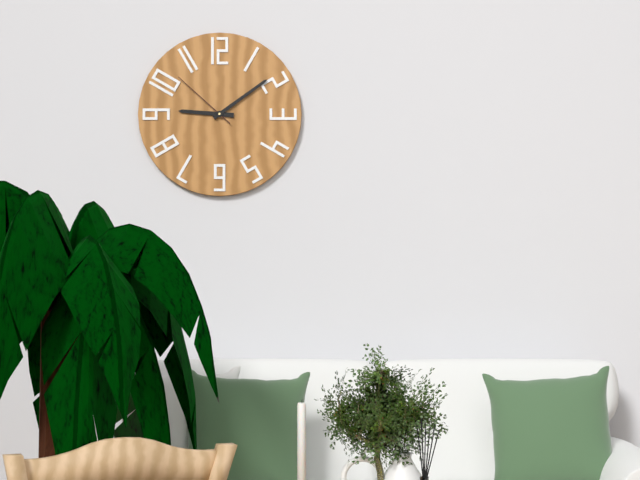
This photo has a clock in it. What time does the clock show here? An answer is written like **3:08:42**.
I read **9:09:52**
